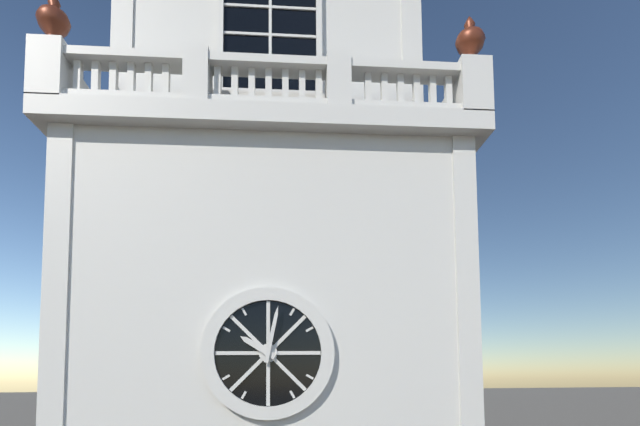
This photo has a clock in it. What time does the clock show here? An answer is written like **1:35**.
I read **10:02**
